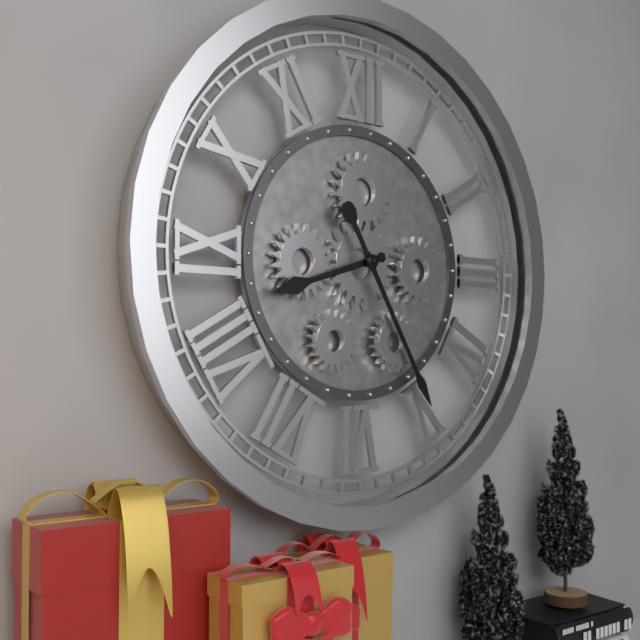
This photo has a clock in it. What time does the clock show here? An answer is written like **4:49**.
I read **8:25**
